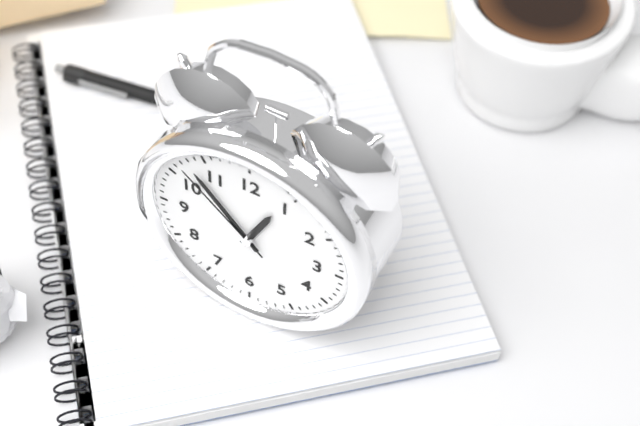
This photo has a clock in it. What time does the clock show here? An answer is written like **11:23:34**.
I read **12:53:52**
